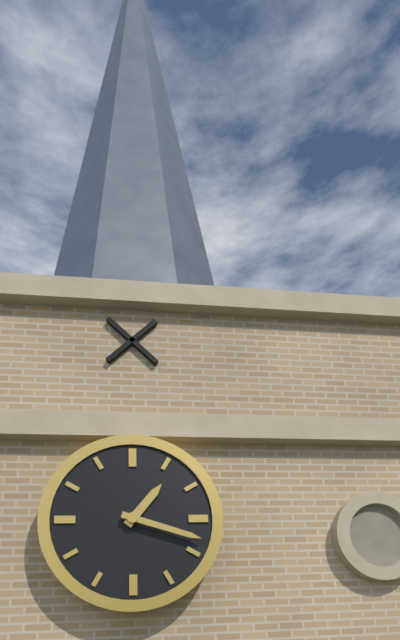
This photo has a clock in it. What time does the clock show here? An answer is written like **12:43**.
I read **1:18**
